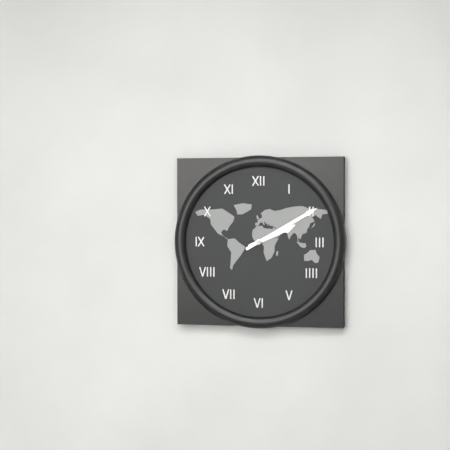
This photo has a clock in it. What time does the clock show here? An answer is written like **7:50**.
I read **2:10**
